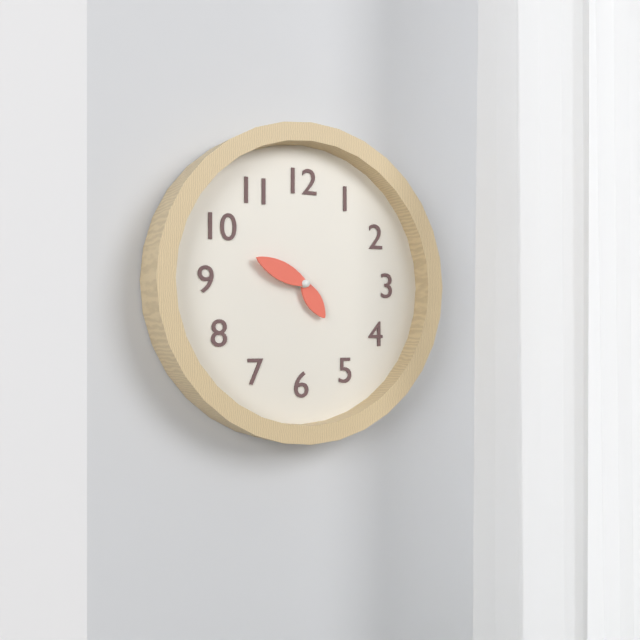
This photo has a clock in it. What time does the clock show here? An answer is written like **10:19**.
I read **4:49**
